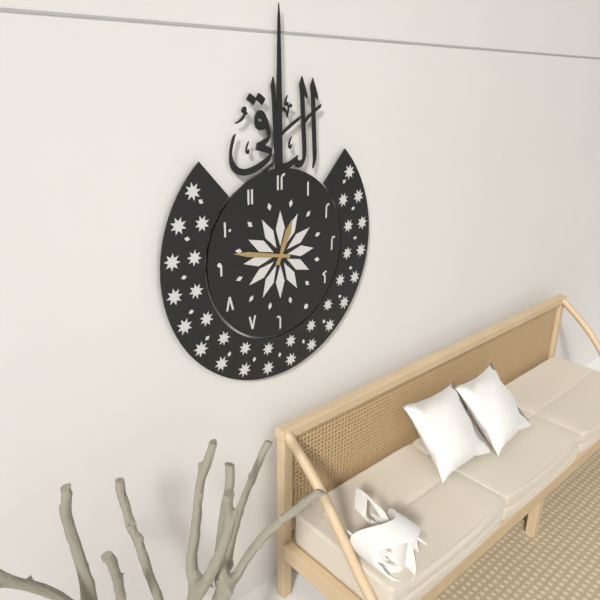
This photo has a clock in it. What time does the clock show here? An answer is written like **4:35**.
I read **12:47**
